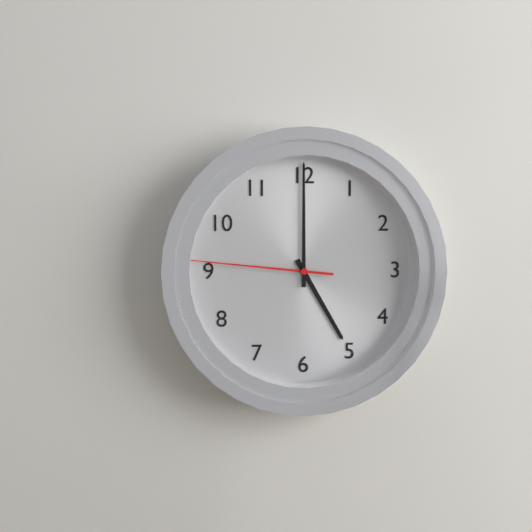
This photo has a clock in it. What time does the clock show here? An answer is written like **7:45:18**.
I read **5:00:46**
